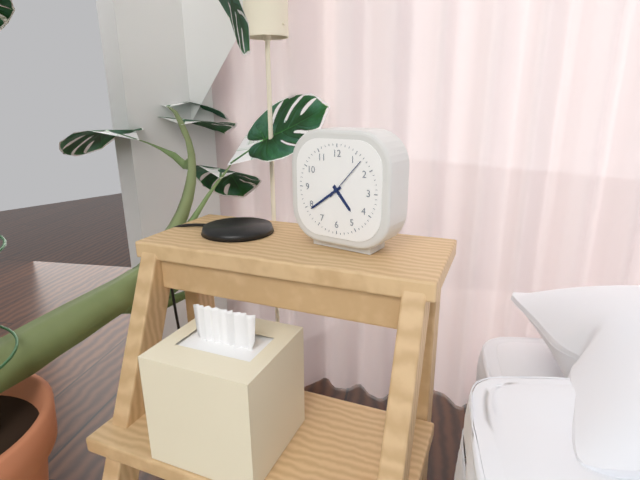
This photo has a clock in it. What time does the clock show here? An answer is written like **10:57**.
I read **4:39**
